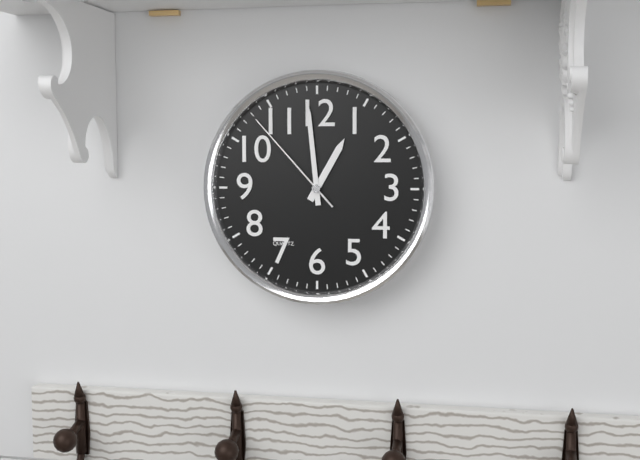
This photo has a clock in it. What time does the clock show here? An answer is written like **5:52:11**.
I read **12:59:53**
